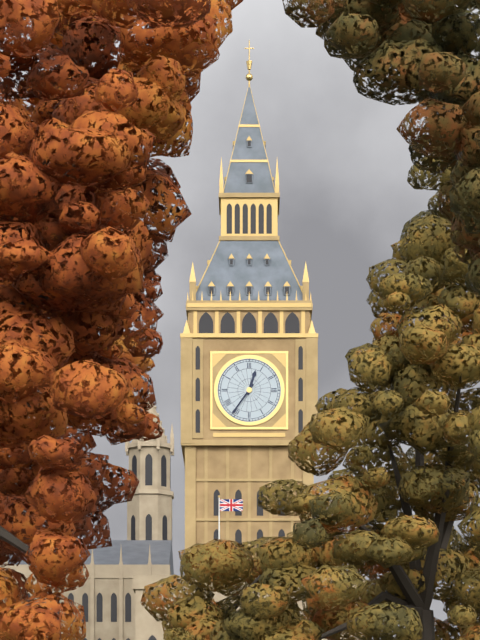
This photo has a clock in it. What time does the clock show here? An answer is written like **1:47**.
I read **12:36**
